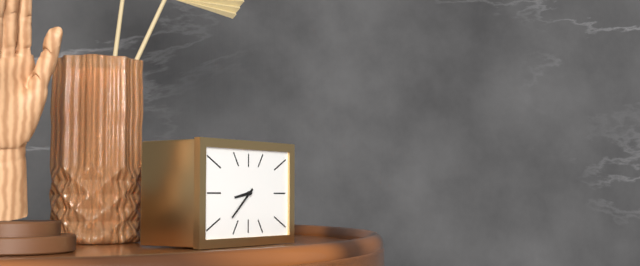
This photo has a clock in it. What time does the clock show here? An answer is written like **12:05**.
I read **8:38**
